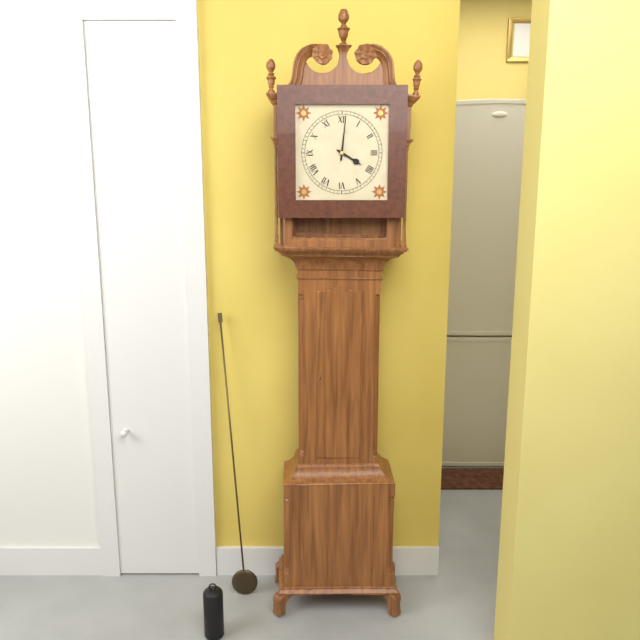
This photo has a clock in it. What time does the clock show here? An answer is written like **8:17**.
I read **4:01**
